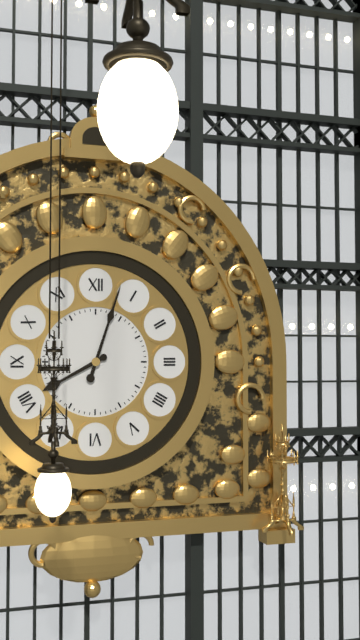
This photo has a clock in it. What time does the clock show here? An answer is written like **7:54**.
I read **8:03**
